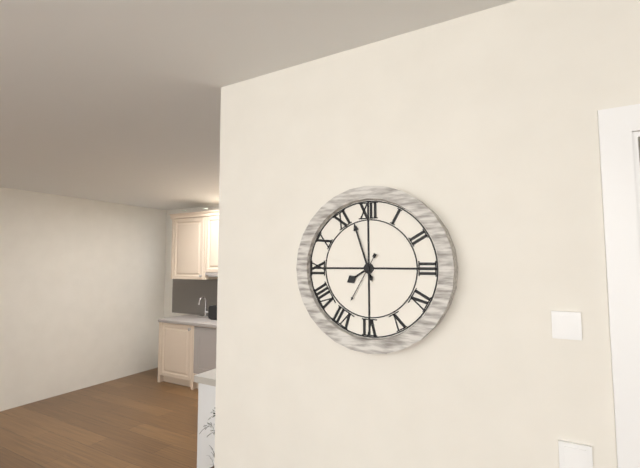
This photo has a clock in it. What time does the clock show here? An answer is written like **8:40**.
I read **7:57**
